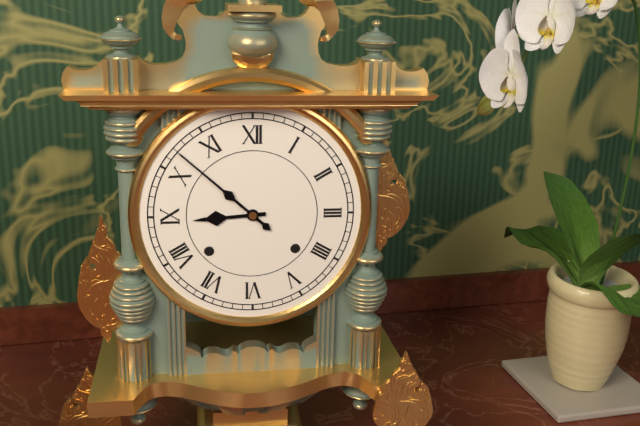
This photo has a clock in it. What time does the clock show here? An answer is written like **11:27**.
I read **8:52**
